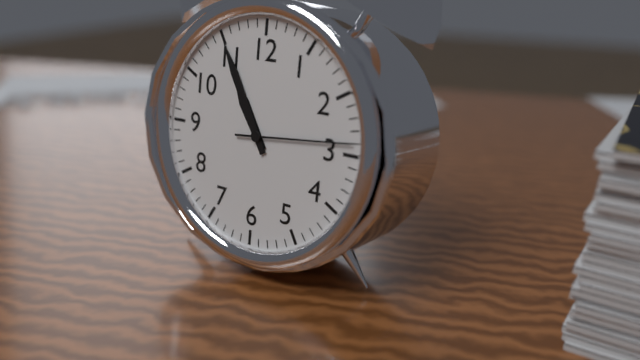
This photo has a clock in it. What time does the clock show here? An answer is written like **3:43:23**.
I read **10:55:14**
